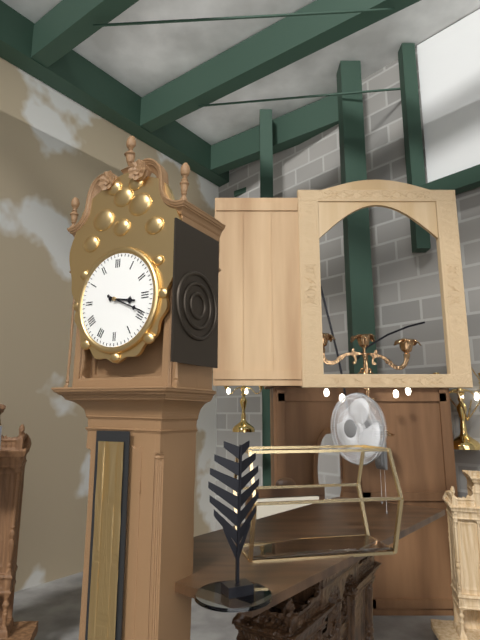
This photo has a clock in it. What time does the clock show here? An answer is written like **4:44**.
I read **3:19**
